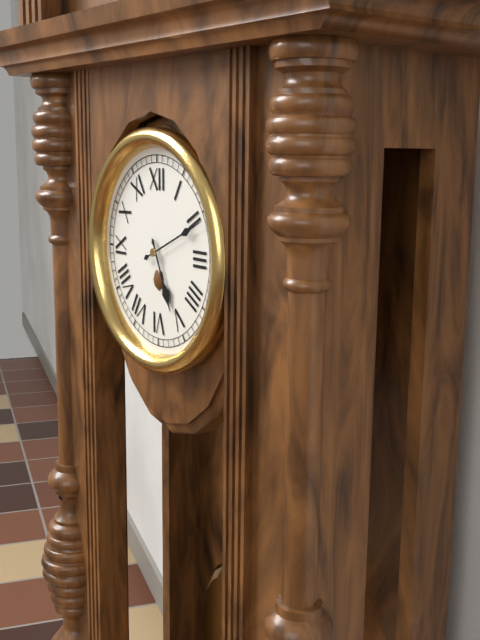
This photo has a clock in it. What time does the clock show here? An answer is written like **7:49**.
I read **5:11**
